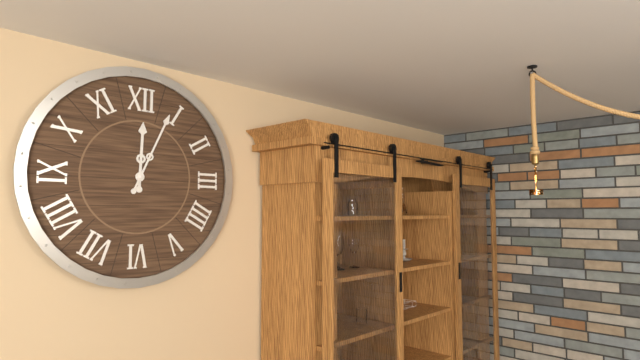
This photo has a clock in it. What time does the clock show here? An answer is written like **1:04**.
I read **12:04**
